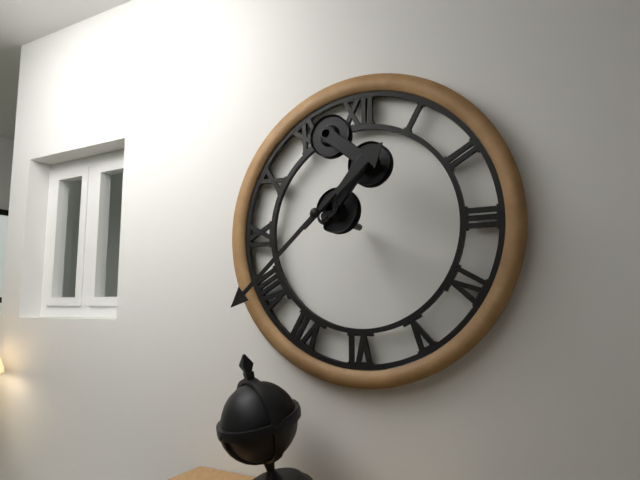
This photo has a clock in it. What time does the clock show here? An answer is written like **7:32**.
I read **1:38**
